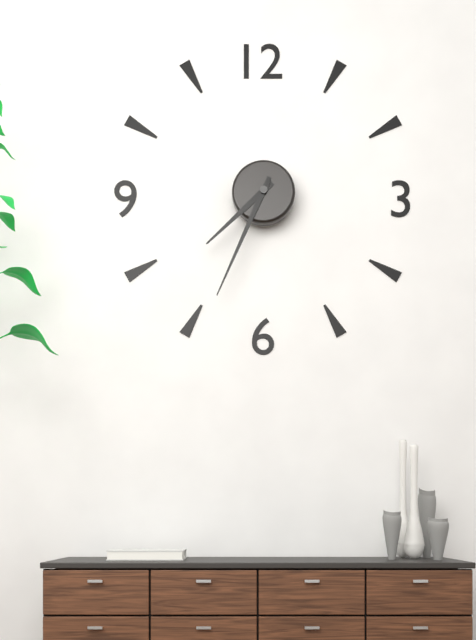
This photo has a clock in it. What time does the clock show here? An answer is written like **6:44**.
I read **7:34**
